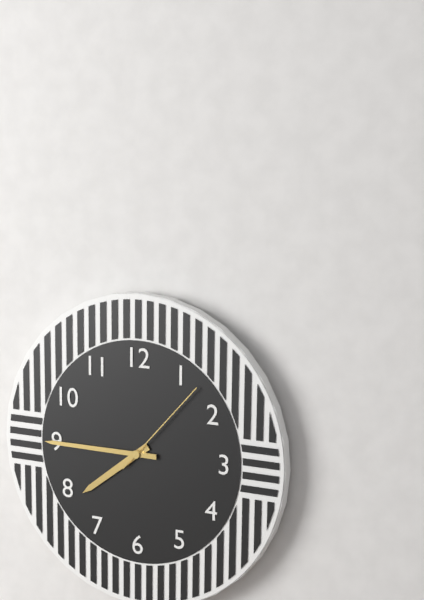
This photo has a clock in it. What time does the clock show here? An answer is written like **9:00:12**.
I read **7:45:07**
